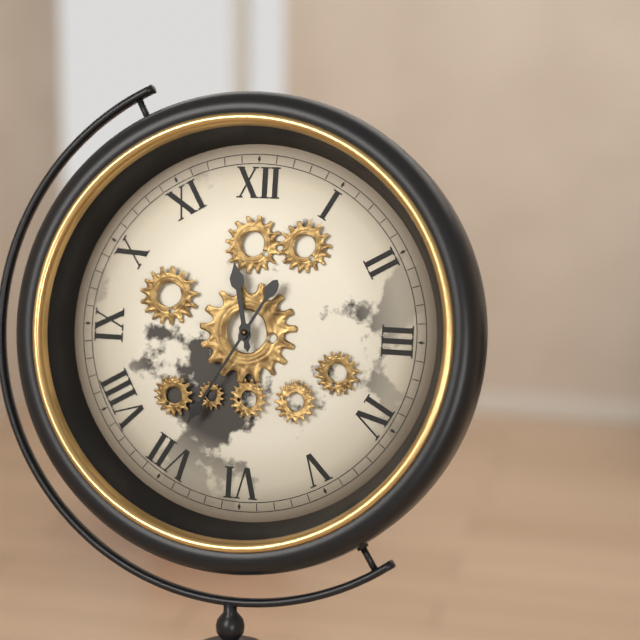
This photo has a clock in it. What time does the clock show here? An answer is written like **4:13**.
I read **11:35**
